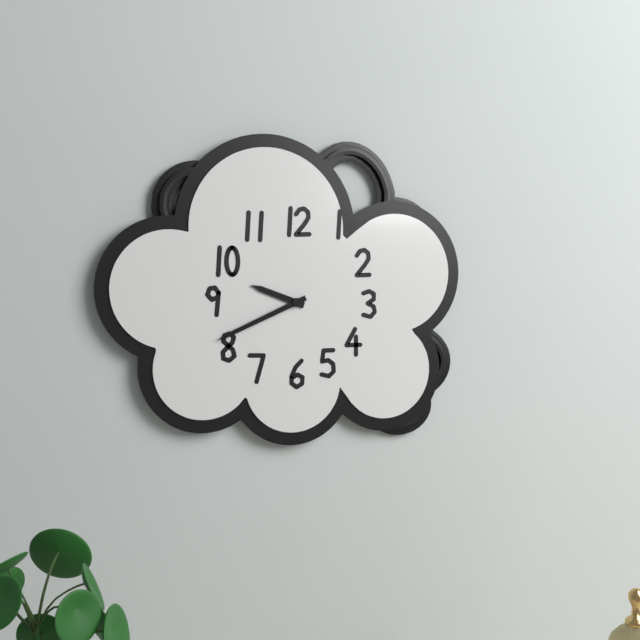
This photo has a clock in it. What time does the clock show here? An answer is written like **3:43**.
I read **9:41**
